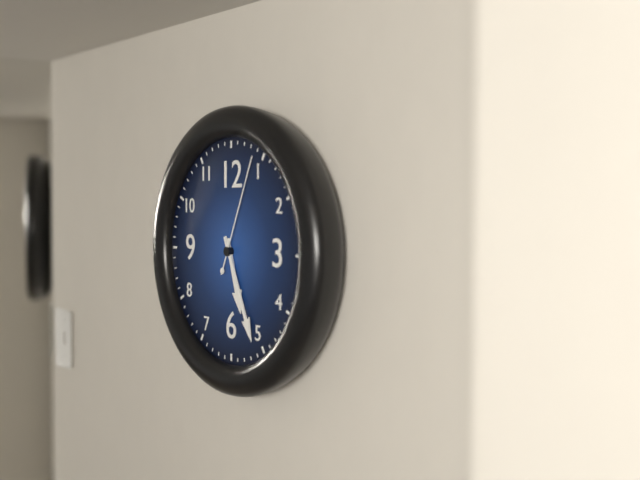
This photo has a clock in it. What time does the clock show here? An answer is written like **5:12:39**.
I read **5:26:04**
